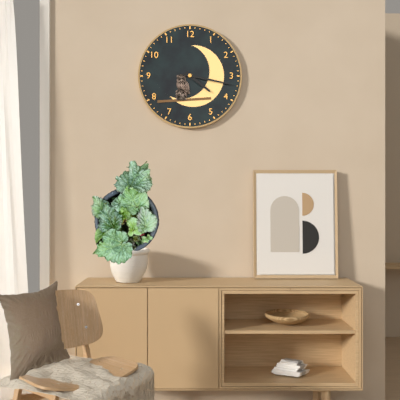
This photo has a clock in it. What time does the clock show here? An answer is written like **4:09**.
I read **4:17**
